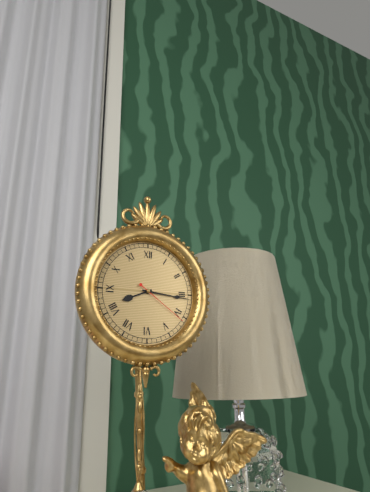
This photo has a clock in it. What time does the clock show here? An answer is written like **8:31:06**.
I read **8:16:21**
